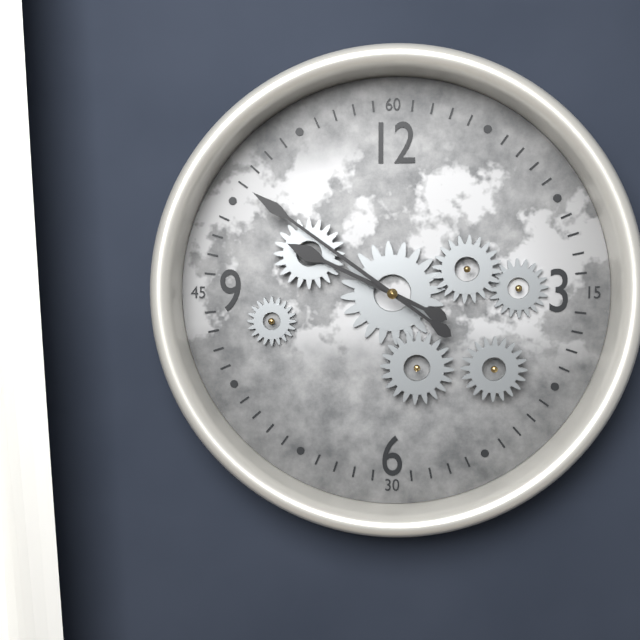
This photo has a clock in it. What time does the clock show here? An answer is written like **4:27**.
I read **9:51**
